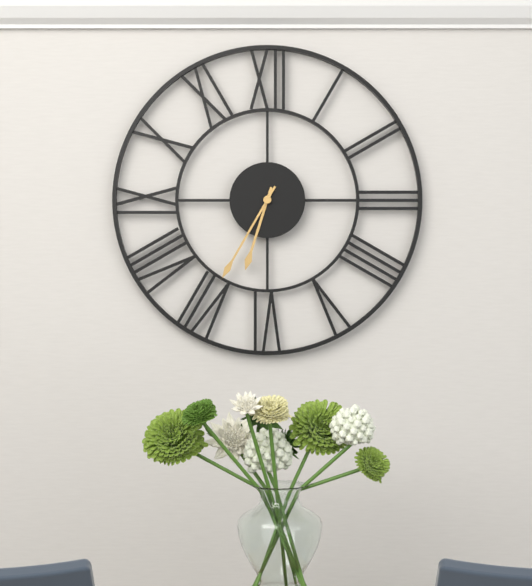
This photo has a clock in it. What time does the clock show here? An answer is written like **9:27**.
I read **6:35**
